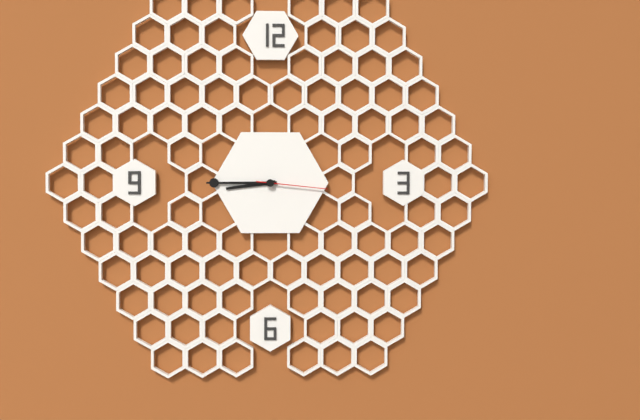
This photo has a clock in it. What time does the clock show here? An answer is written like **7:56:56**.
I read **8:45:16**
